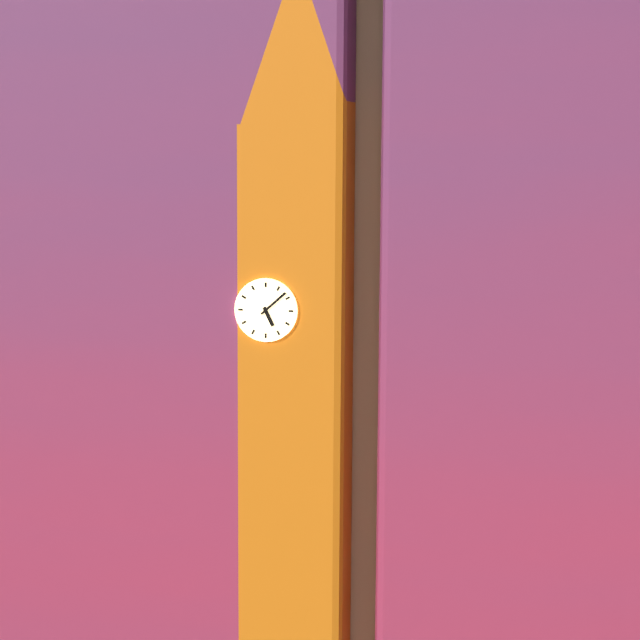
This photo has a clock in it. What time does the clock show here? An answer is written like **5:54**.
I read **5:08**
